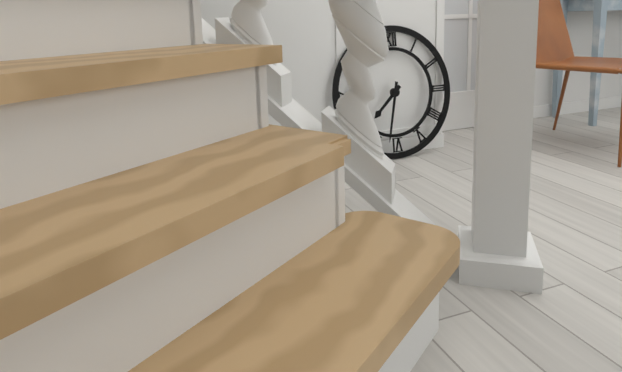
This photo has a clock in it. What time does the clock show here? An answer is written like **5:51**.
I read **7:32**
